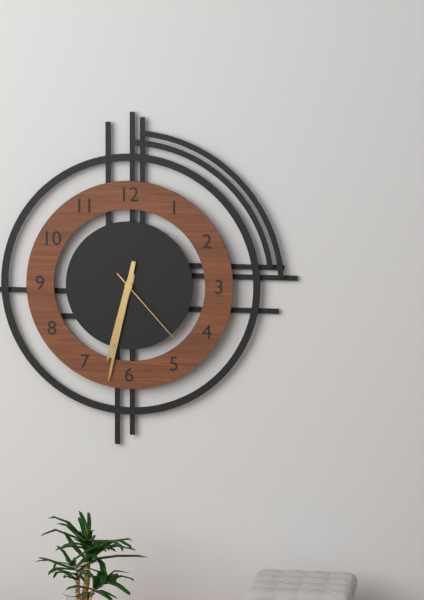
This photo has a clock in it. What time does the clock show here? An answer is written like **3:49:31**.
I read **6:32:23**
